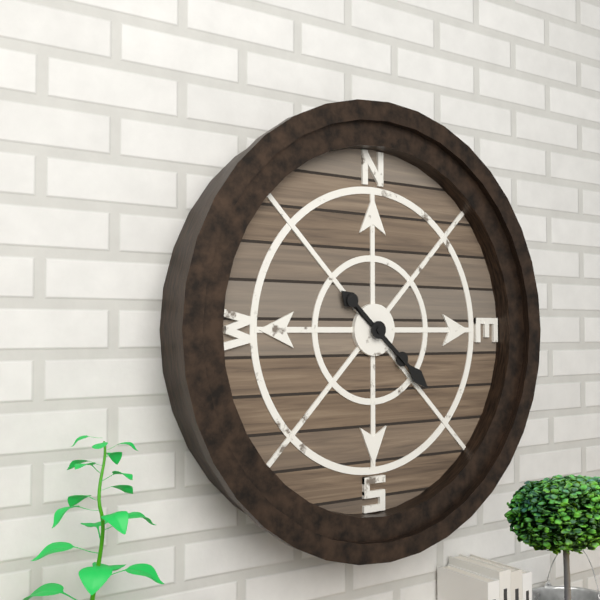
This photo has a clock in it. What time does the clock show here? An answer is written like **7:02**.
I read **10:22**
